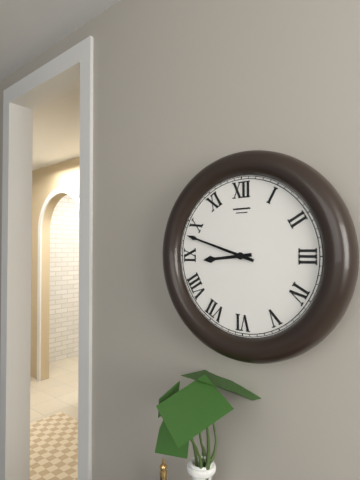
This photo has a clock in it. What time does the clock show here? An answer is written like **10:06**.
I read **8:48**
